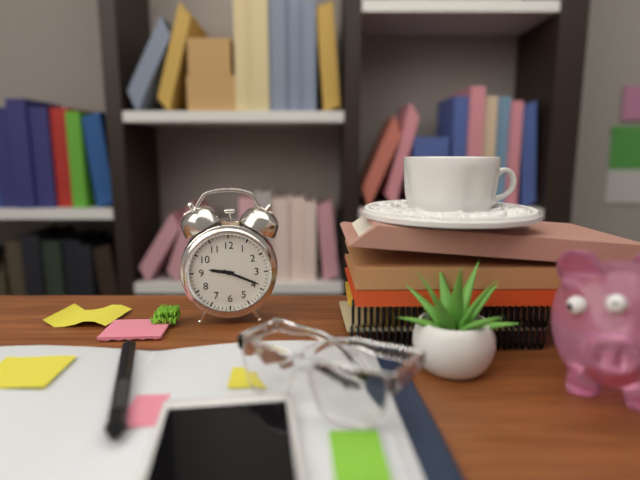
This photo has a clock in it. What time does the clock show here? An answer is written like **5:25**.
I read **9:19**
